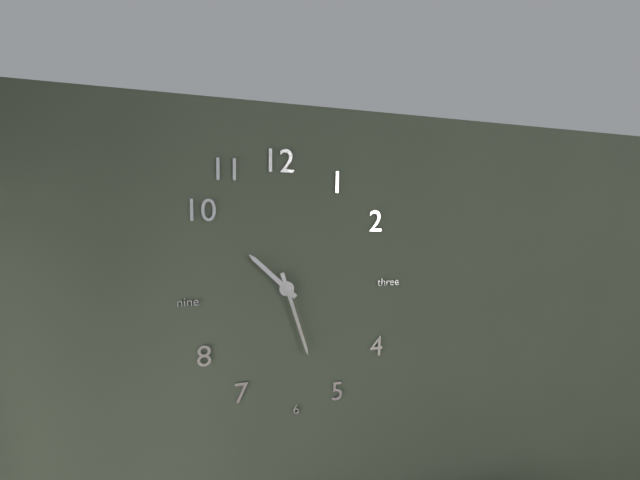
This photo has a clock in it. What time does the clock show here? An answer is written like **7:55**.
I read **10:27**
